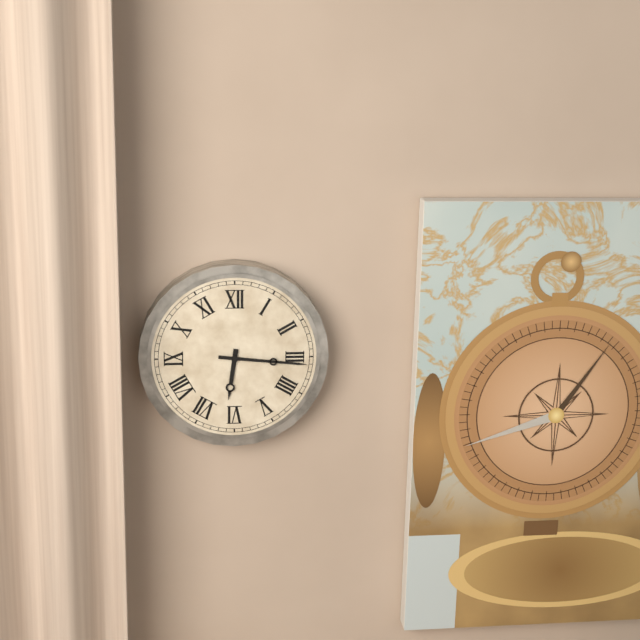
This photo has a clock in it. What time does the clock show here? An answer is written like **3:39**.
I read **6:16**
